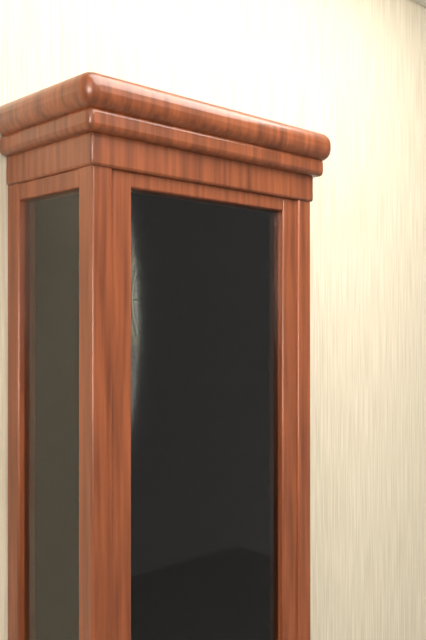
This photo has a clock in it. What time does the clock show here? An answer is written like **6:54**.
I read **12:21**
